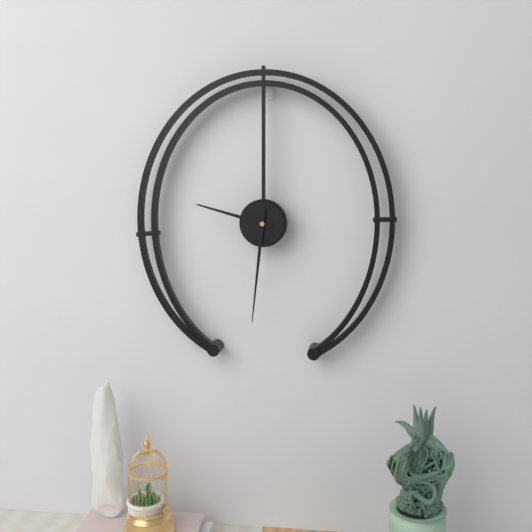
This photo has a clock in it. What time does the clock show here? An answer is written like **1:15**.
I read **9:31**
